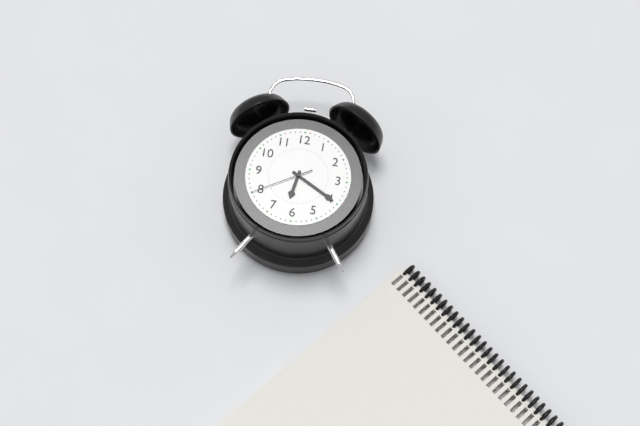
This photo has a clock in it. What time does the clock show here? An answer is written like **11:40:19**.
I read **6:20:40**
